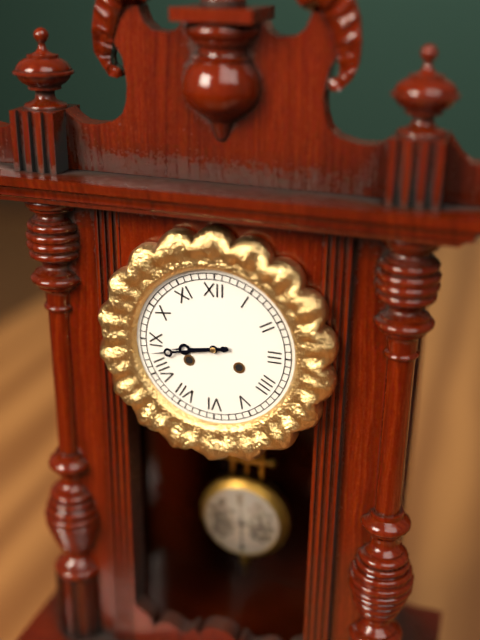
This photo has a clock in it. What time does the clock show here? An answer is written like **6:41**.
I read **8:43**
